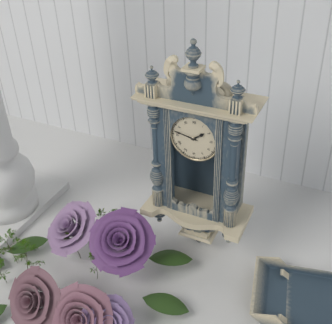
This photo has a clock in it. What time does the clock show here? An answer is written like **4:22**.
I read **1:47**
